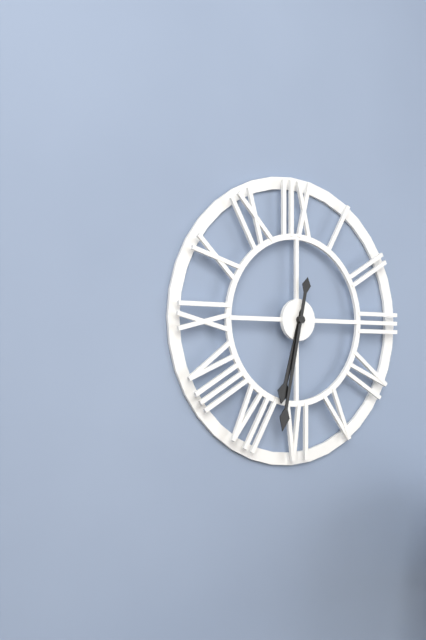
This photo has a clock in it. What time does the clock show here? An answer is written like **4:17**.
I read **6:32**
